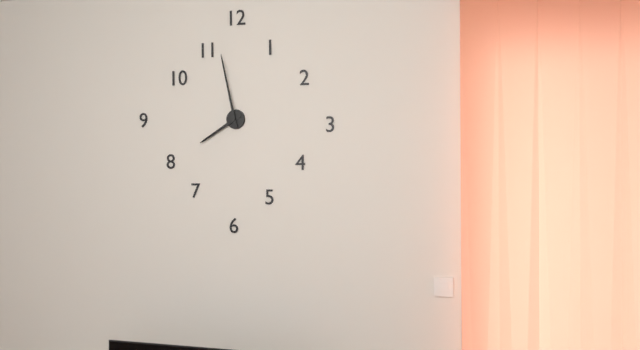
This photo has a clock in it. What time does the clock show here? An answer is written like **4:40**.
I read **7:58**
